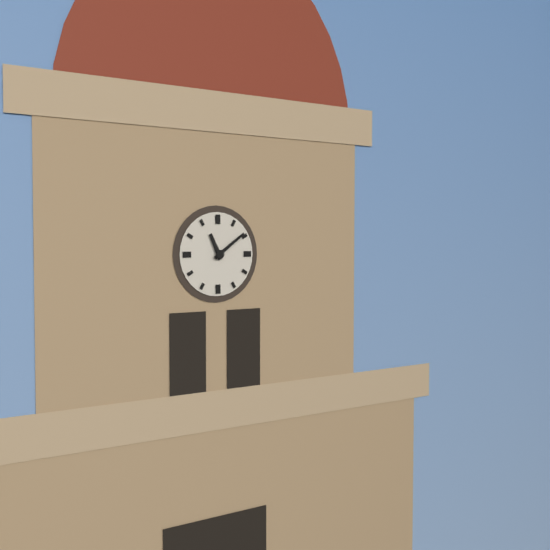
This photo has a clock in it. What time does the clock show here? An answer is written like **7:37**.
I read **11:09**
